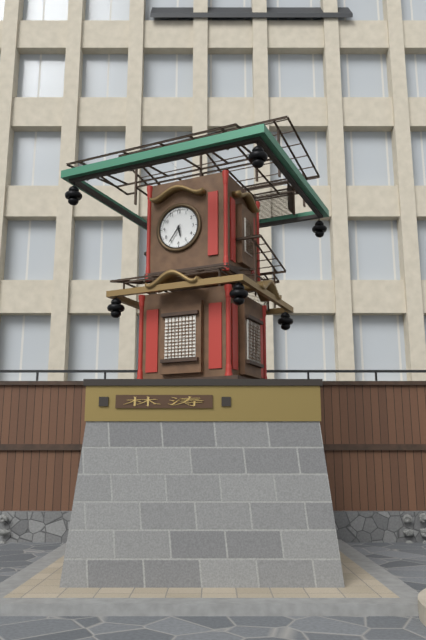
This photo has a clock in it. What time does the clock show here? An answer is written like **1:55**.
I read **5:36**
